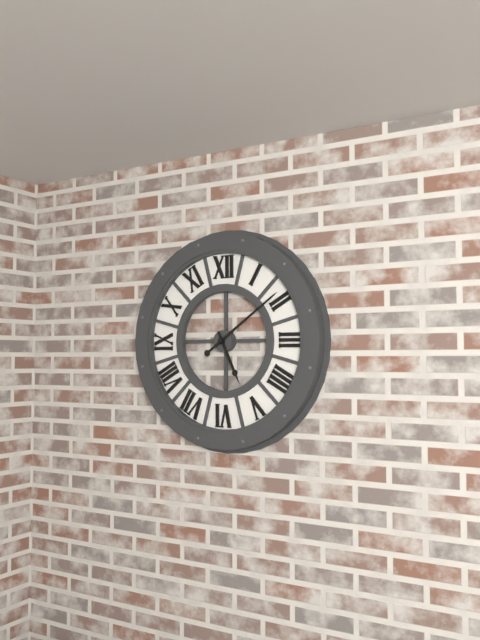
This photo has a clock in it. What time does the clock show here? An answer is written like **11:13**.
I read **5:09**
